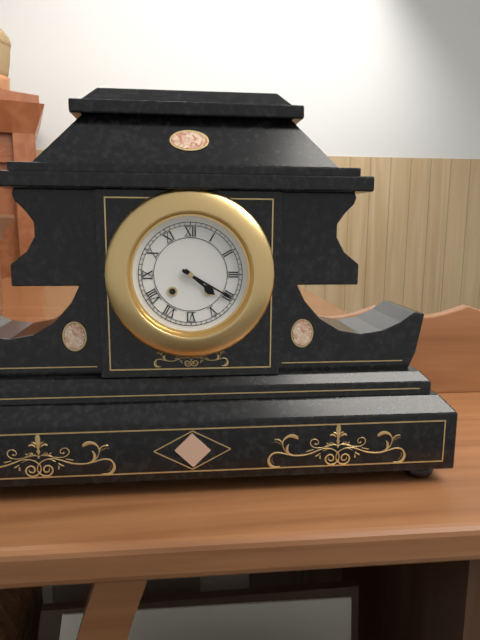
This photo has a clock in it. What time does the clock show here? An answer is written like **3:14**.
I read **4:20**
